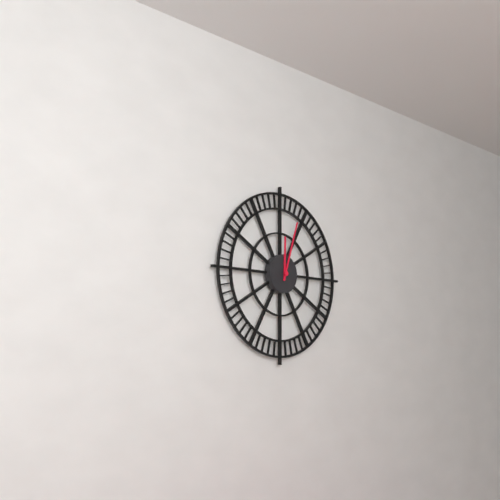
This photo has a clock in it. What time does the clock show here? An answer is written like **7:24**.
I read **12:03**
